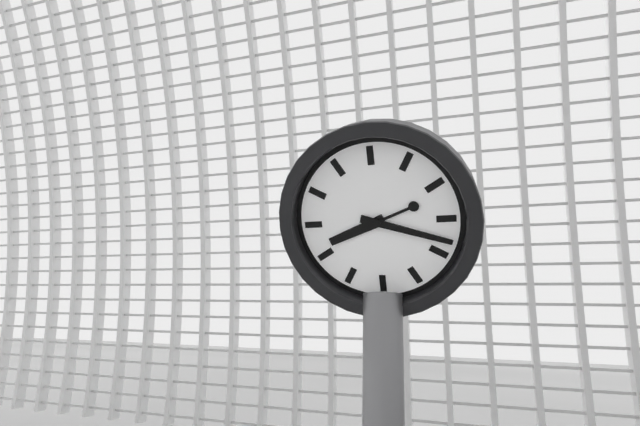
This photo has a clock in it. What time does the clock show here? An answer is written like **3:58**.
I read **8:18**
